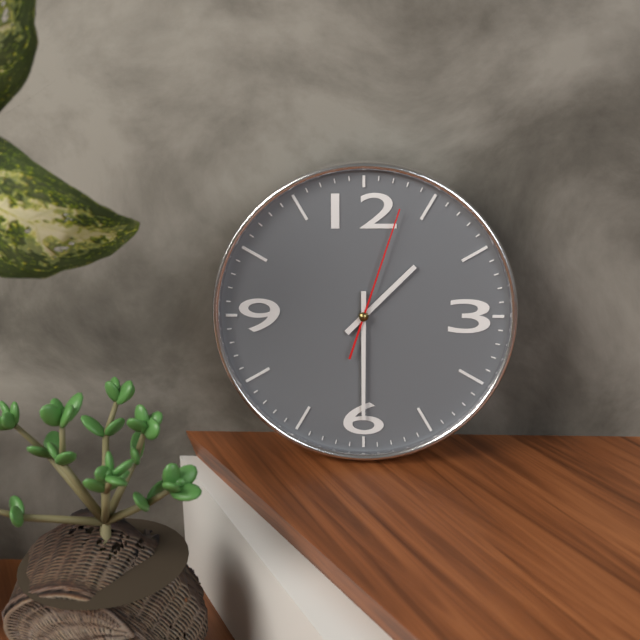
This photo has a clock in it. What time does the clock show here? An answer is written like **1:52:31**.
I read **1:30:03**
